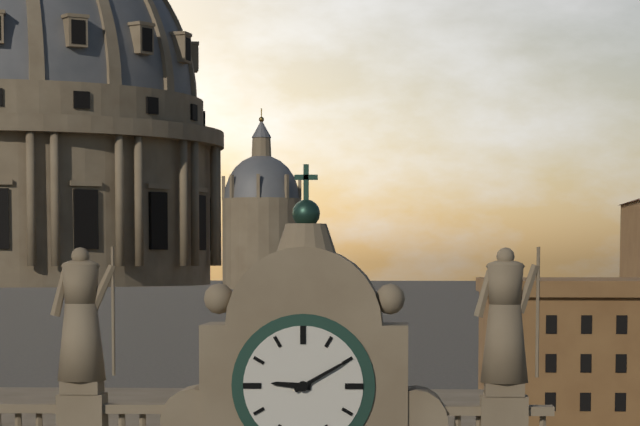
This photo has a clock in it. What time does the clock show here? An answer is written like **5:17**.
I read **9:10**
